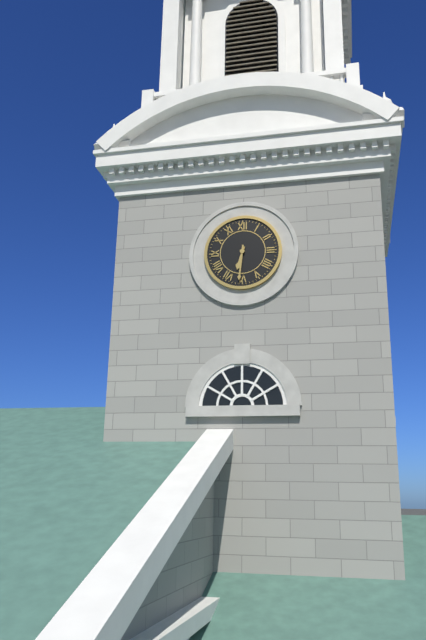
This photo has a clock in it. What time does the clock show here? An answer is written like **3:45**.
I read **6:31**
